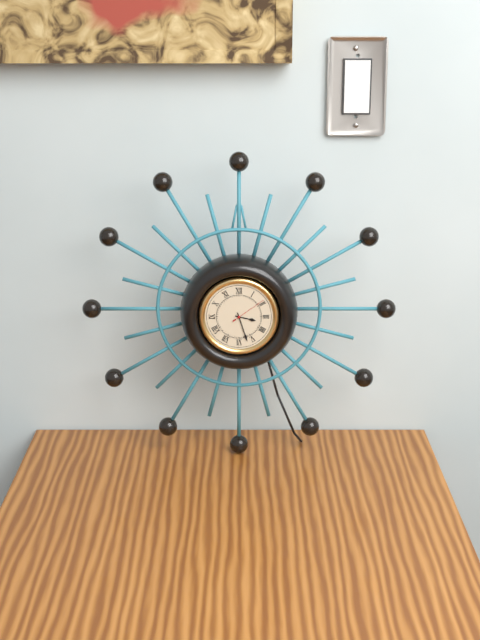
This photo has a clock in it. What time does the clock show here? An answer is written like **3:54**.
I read **3:27**
